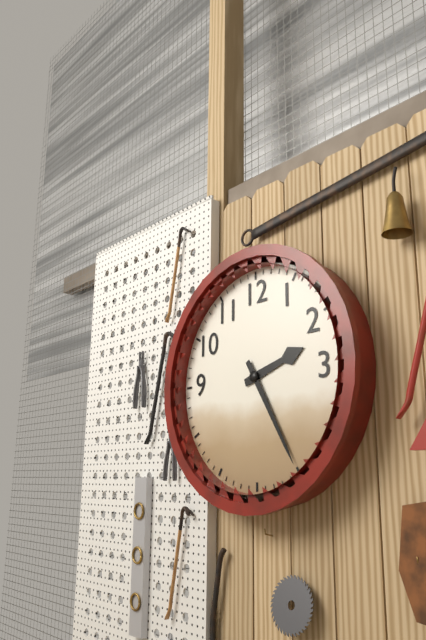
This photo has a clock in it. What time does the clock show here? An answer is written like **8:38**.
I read **2:25**
